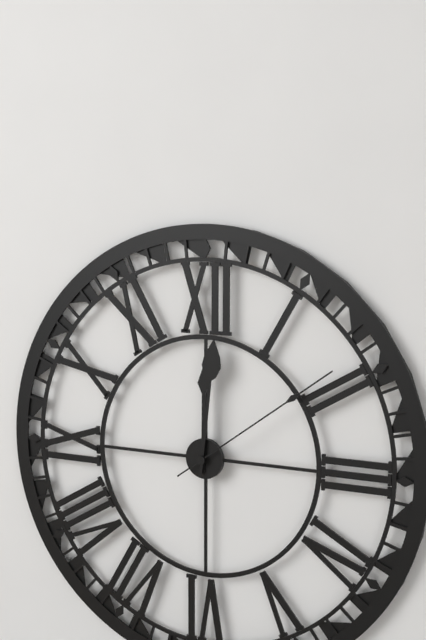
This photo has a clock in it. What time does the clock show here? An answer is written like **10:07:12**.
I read **12:01:09**
